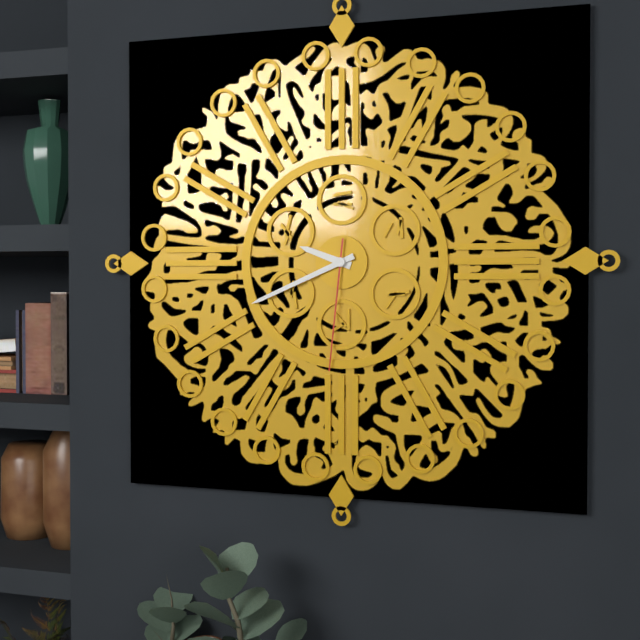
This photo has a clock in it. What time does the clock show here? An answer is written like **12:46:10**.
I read **9:41:31**
